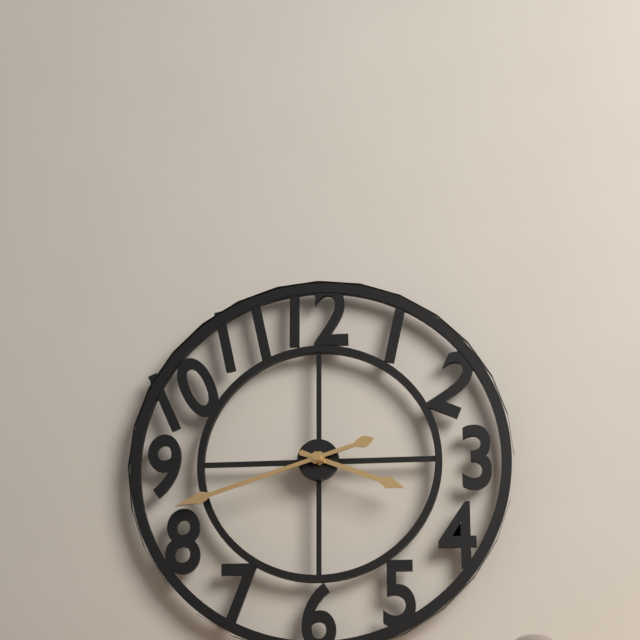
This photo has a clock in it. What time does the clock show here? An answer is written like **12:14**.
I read **3:42**
